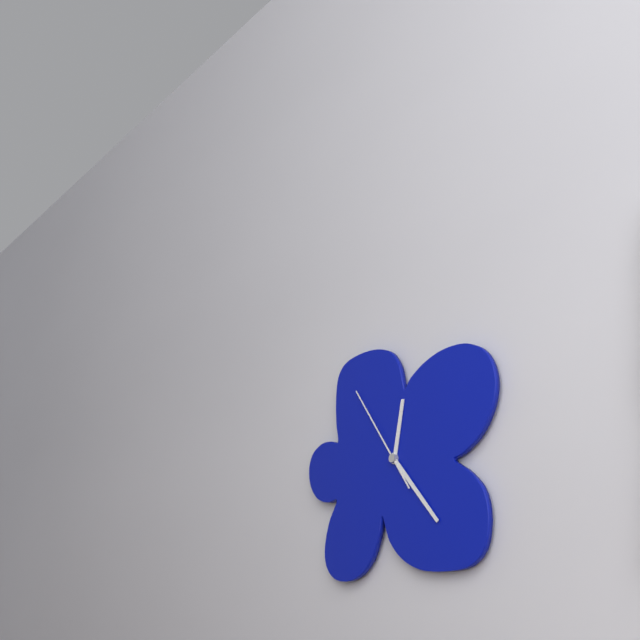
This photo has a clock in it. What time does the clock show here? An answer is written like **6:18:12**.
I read **12:23:54**
